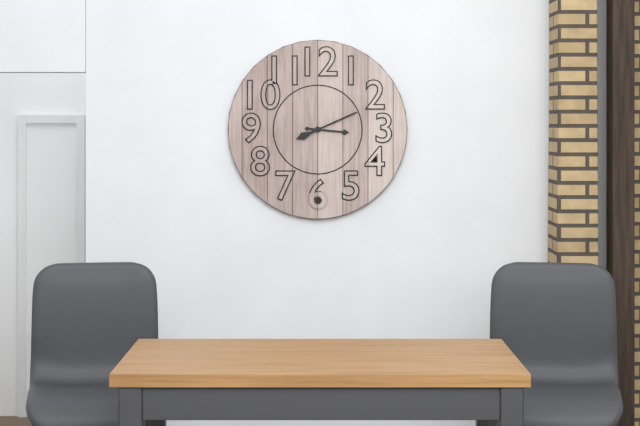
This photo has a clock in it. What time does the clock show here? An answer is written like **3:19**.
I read **3:11**
